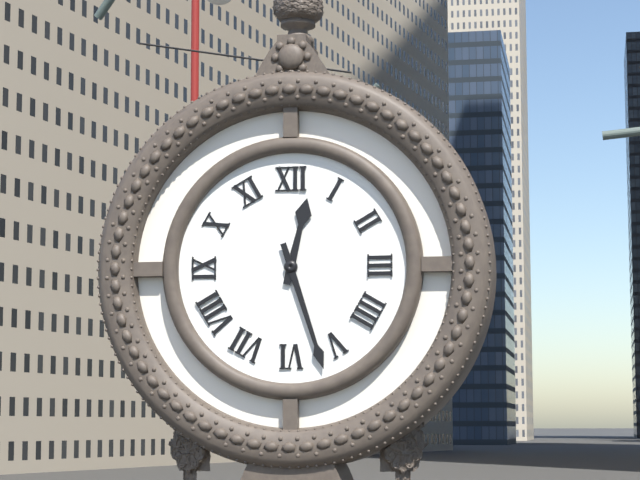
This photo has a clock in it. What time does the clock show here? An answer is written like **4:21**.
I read **12:27**
